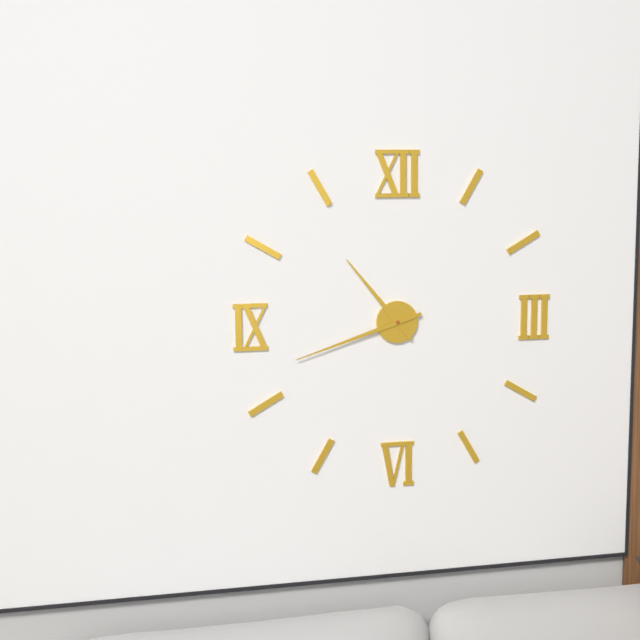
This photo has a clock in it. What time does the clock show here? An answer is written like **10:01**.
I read **10:42**
